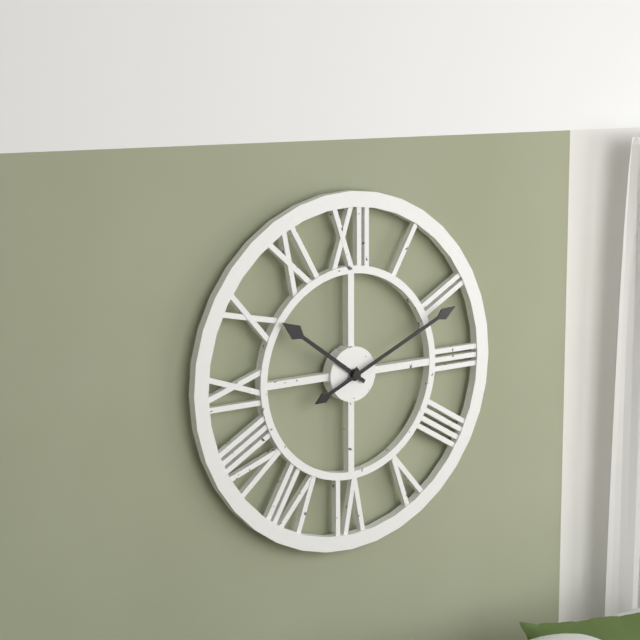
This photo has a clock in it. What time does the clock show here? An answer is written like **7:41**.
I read **10:11**
